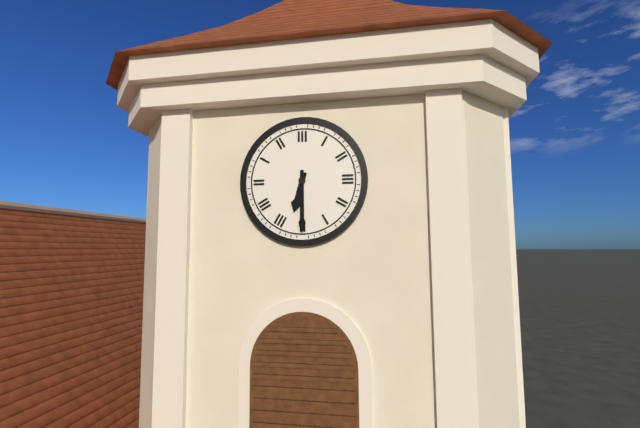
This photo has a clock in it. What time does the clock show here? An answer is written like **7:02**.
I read **6:30**
